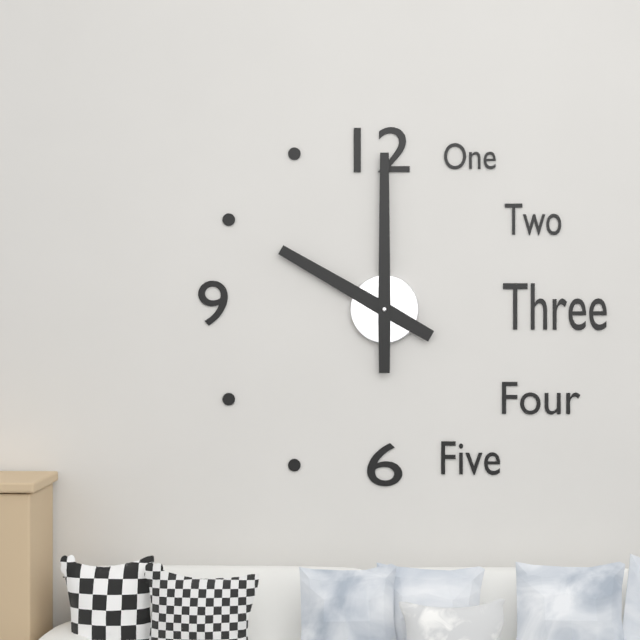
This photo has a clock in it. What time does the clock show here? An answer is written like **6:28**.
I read **10:00**
